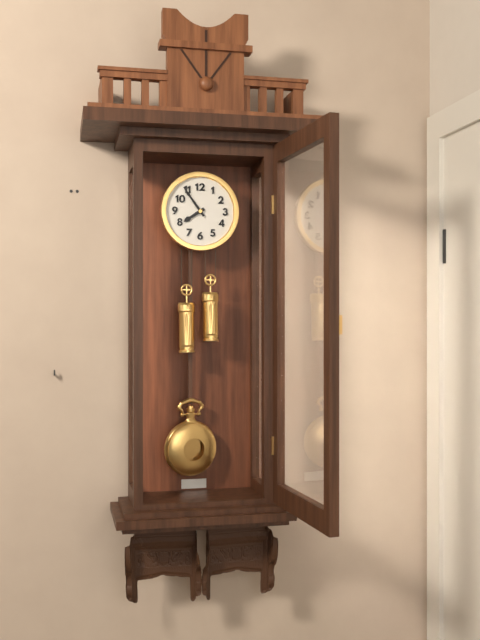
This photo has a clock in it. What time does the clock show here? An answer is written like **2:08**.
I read **7:54**
